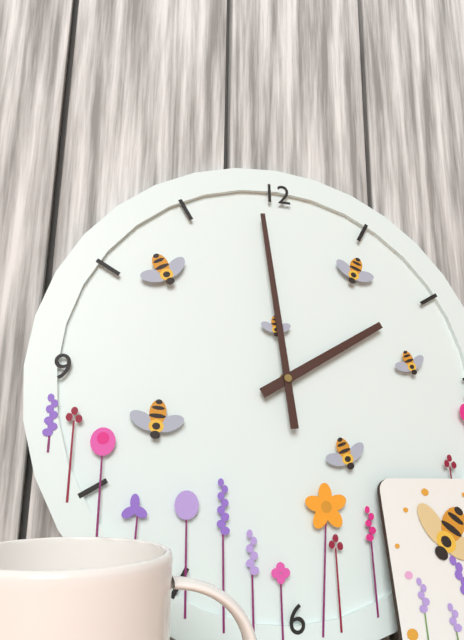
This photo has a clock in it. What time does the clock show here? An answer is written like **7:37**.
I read **1:59**
